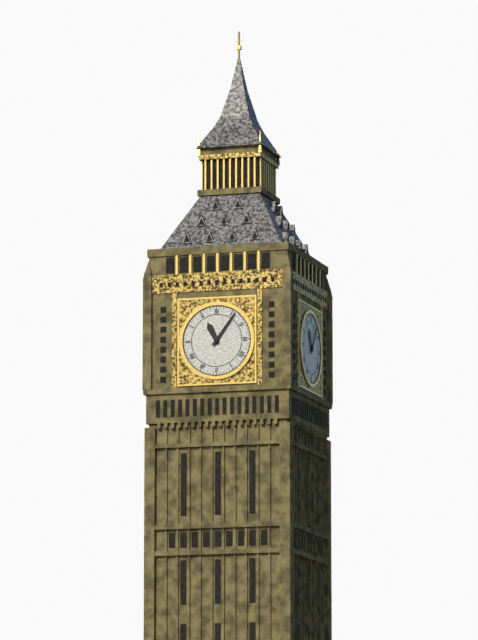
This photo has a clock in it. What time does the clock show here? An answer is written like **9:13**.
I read **11:06**
